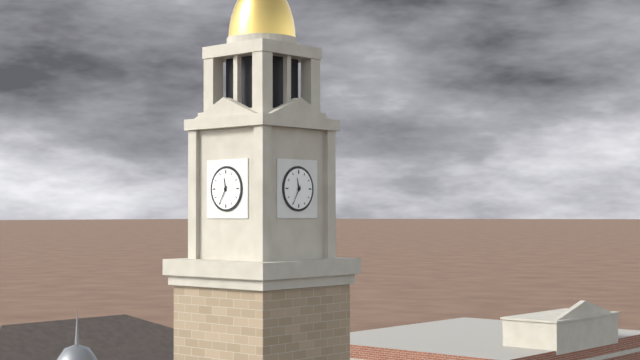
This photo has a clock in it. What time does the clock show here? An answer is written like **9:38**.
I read **11:35**
